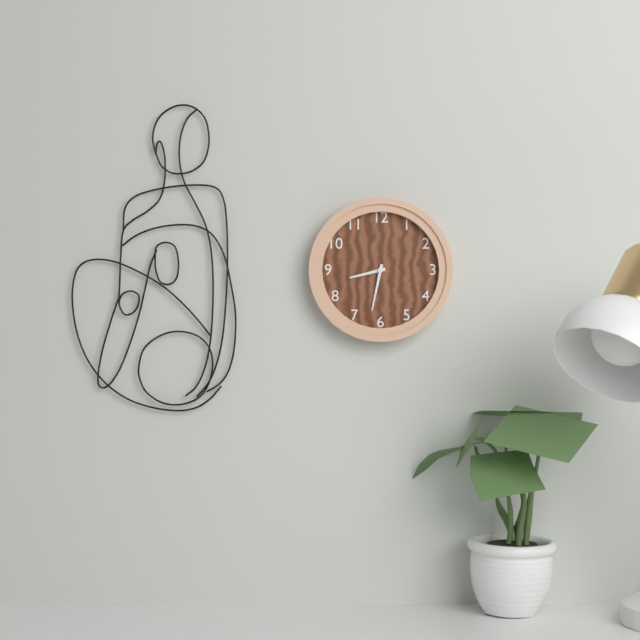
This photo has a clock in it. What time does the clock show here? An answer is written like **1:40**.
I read **8:32**
